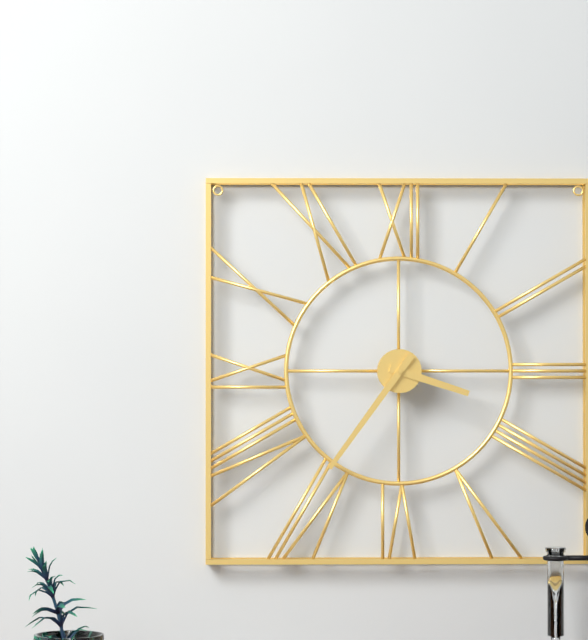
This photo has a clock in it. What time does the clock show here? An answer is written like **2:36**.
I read **3:36**
